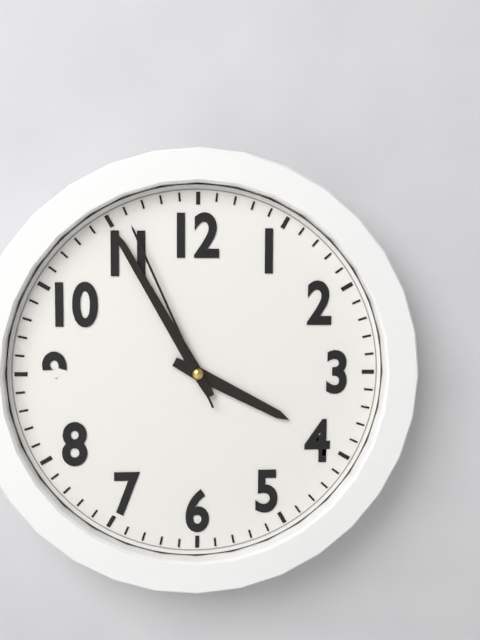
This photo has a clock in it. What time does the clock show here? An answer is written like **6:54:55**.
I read **3:55:56**
